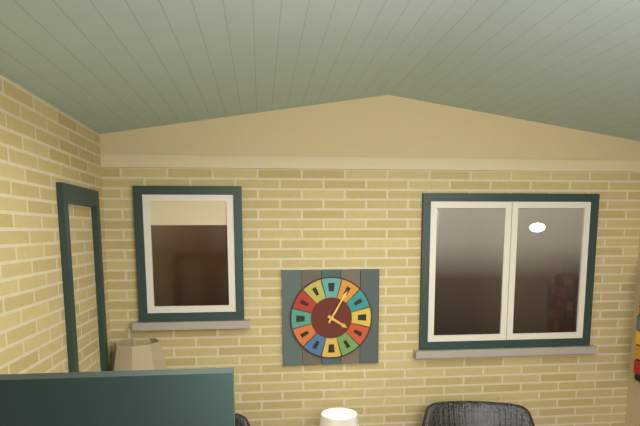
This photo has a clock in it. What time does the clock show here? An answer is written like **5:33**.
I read **4:05**
